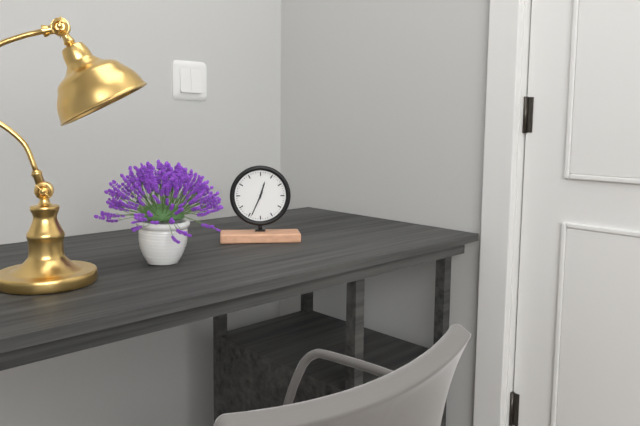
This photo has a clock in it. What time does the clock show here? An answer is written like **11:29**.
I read **12:34**
